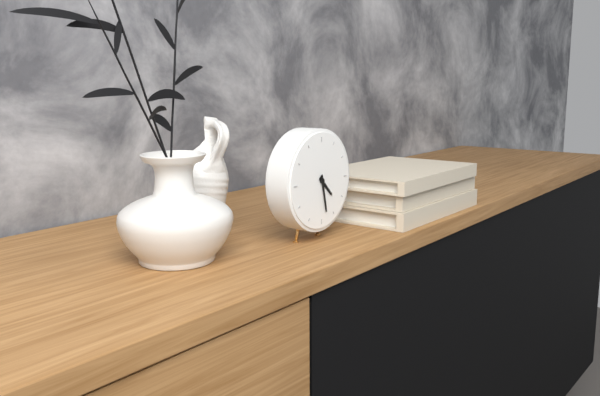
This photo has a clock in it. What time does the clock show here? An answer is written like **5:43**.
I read **4:28**
